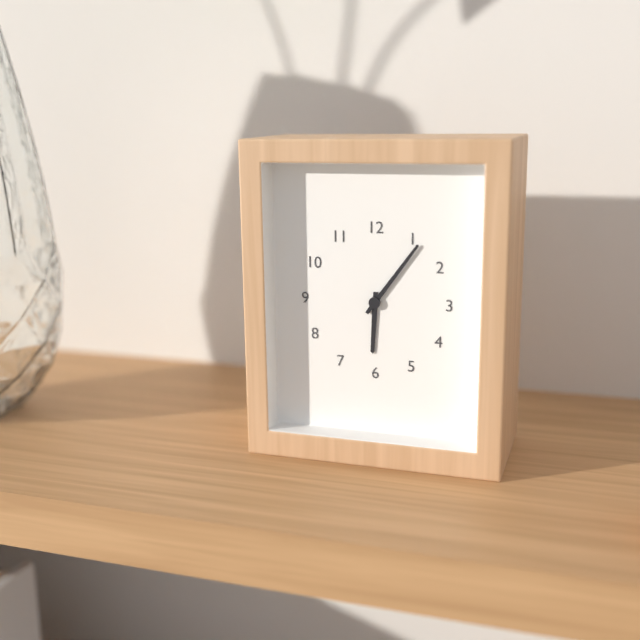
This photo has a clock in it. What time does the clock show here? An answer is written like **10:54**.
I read **6:06**
